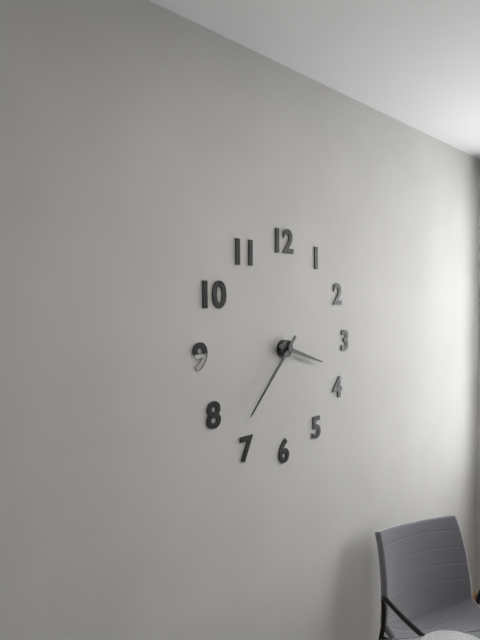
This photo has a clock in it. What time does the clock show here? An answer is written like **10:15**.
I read **3:37**
